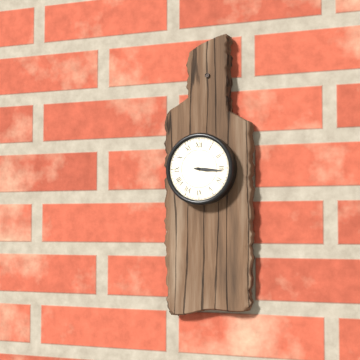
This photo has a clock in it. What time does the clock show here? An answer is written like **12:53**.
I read **3:16**
